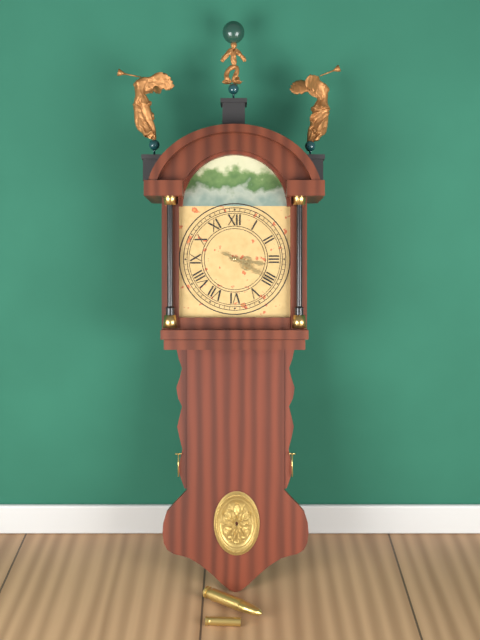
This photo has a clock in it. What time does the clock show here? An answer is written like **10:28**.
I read **3:20**
